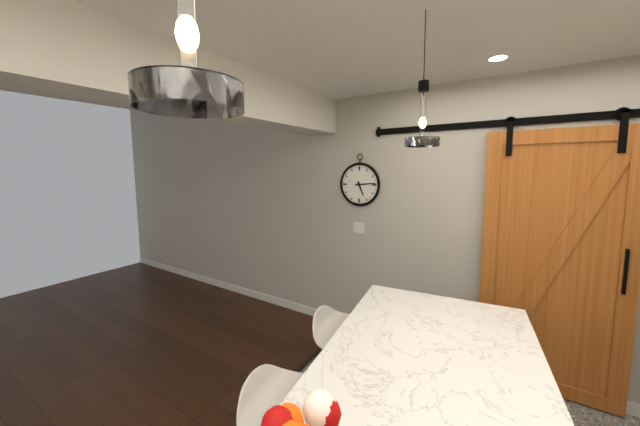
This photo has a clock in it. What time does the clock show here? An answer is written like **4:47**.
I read **5:14**
